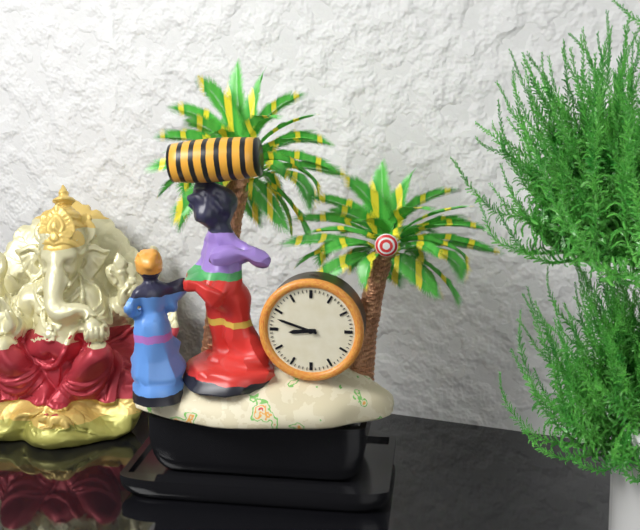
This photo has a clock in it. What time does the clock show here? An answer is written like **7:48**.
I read **8:48**
